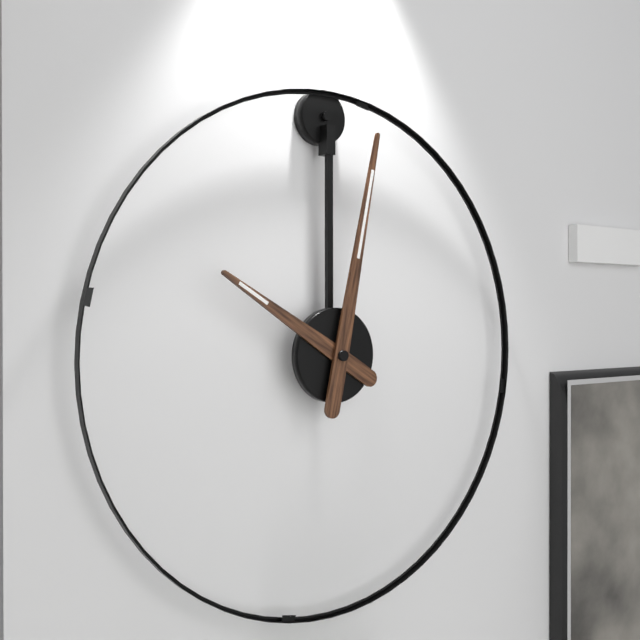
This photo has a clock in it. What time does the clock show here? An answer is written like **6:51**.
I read **10:02**
